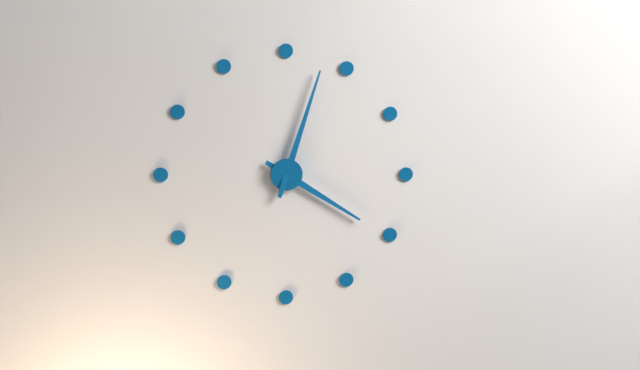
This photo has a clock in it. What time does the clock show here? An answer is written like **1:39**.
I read **4:03**
